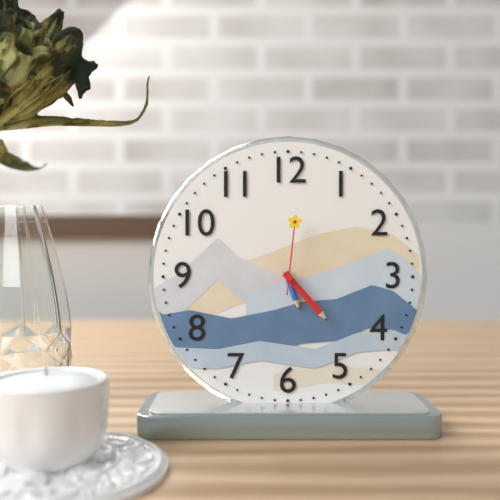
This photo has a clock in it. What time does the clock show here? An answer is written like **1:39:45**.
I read **5:23:01**
